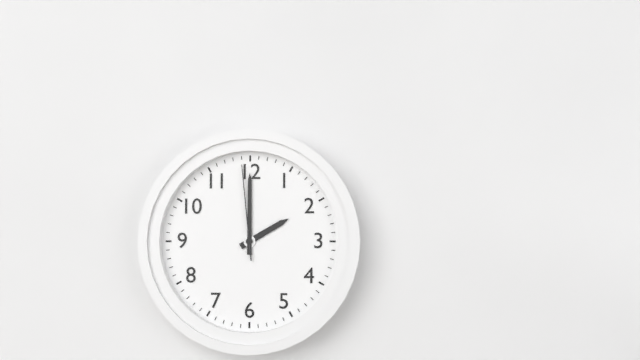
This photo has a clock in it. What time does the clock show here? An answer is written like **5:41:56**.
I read **2:00:59**
